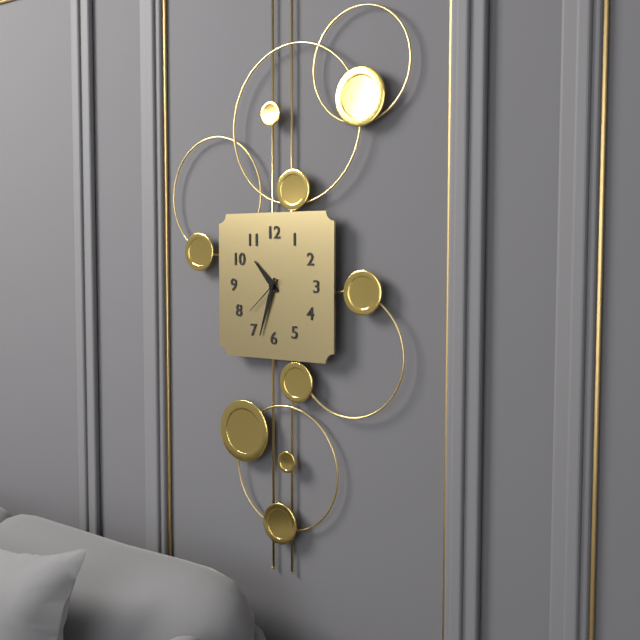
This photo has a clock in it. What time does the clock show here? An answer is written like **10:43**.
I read **10:33**
